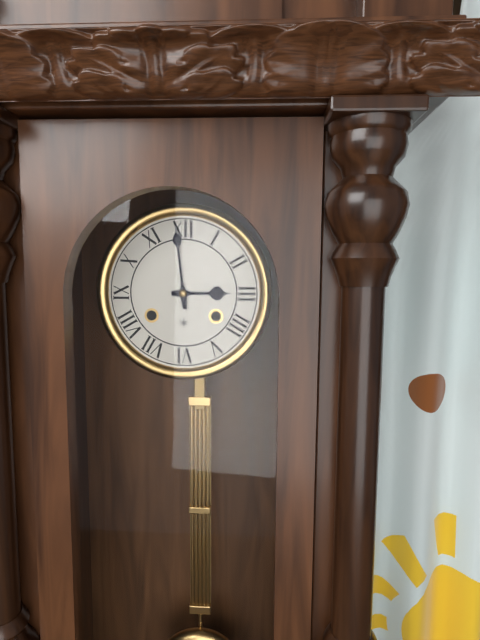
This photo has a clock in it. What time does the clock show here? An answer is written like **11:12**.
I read **2:59**
